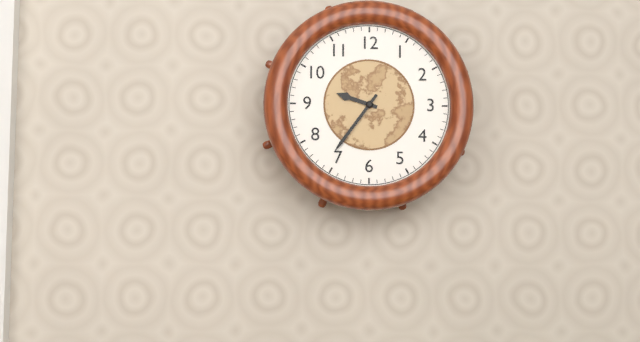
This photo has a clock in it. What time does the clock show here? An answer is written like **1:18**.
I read **9:36**
